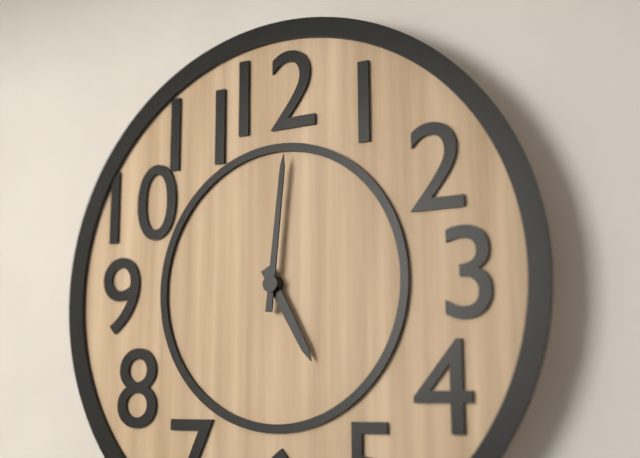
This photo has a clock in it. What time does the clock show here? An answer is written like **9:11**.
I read **5:01**
